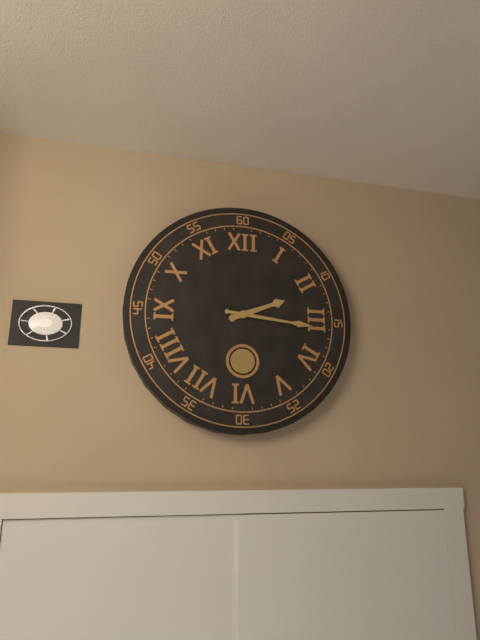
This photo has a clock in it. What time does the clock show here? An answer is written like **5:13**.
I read **2:16**
